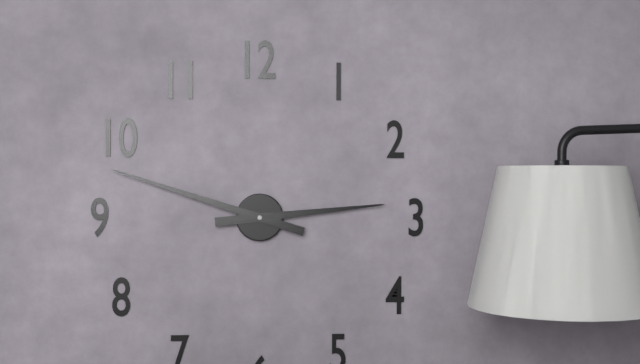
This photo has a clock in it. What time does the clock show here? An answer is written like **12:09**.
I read **2:48**
